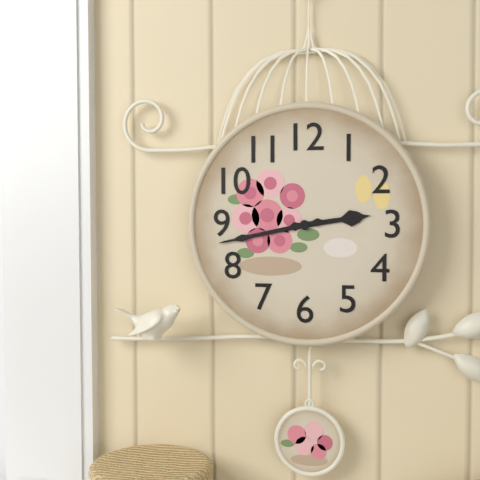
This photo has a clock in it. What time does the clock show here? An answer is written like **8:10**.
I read **2:43**
